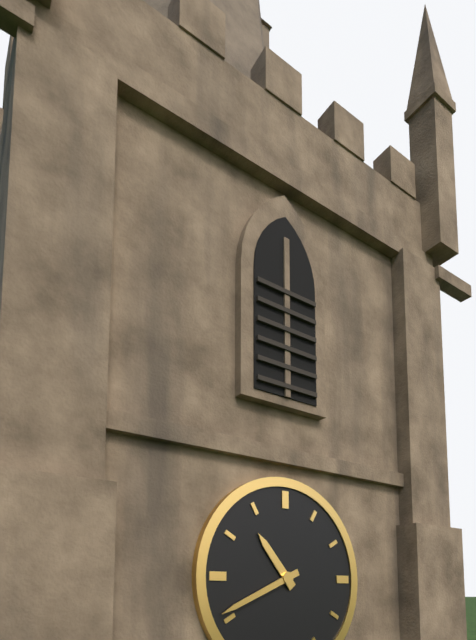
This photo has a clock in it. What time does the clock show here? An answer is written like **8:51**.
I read **10:41**
